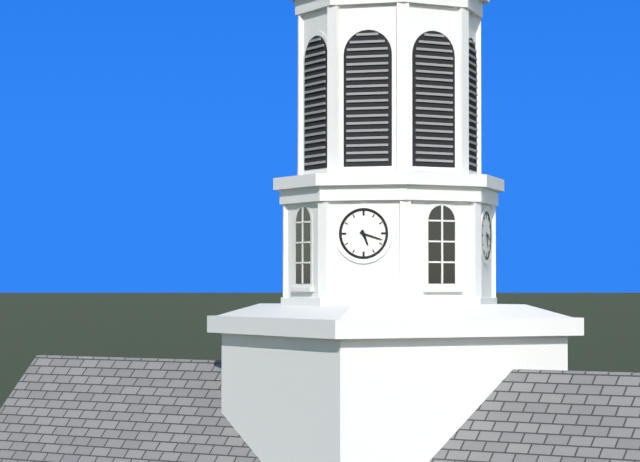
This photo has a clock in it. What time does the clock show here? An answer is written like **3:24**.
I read **5:18**
